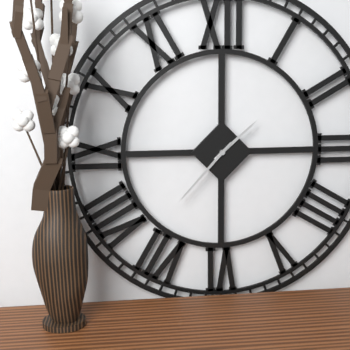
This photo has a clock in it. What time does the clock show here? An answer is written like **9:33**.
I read **1:37**
